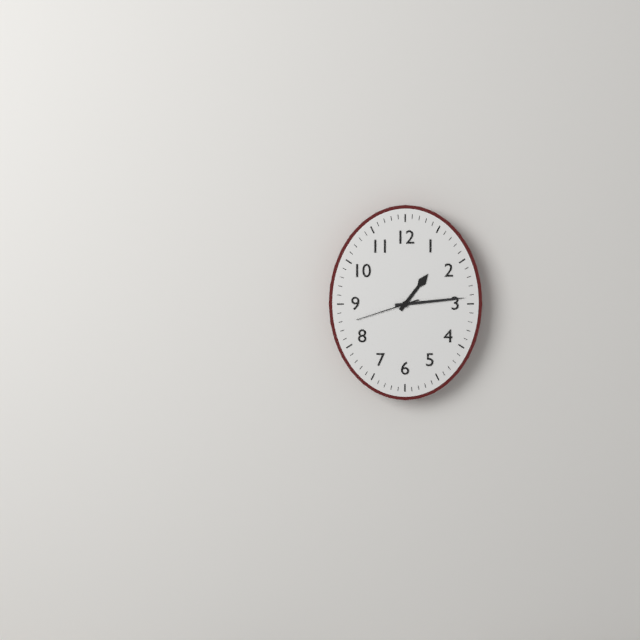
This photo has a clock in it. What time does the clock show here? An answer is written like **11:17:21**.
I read **1:14:42**
